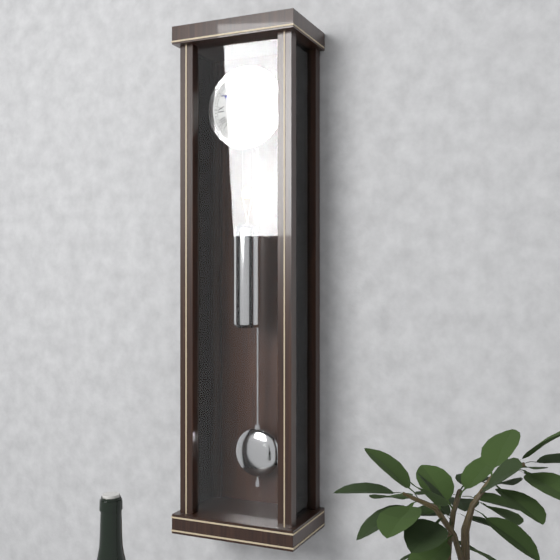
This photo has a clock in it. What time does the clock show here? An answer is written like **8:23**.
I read **6:50**
